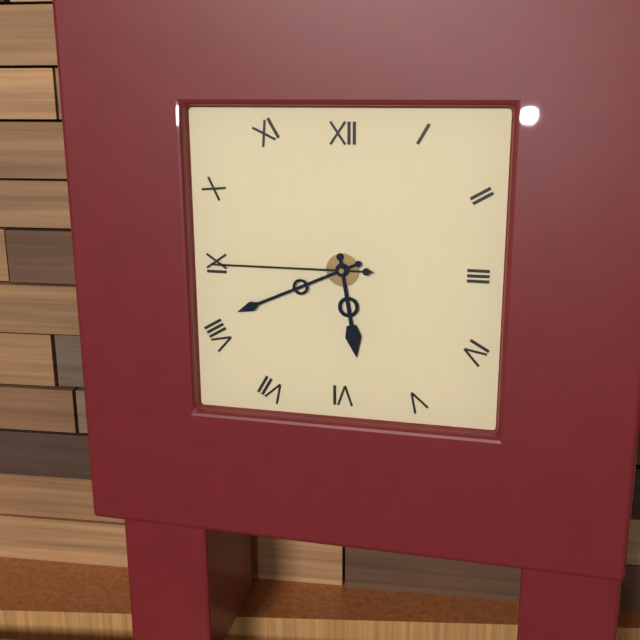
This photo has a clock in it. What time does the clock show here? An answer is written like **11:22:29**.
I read **5:41:45**
